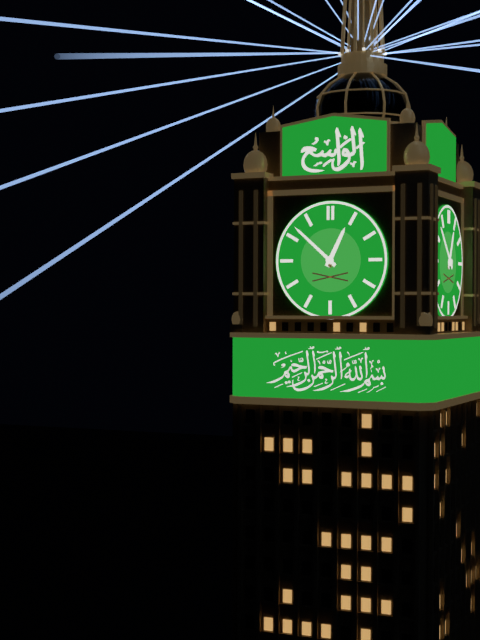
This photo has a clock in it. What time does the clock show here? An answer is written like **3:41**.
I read **12:52**
